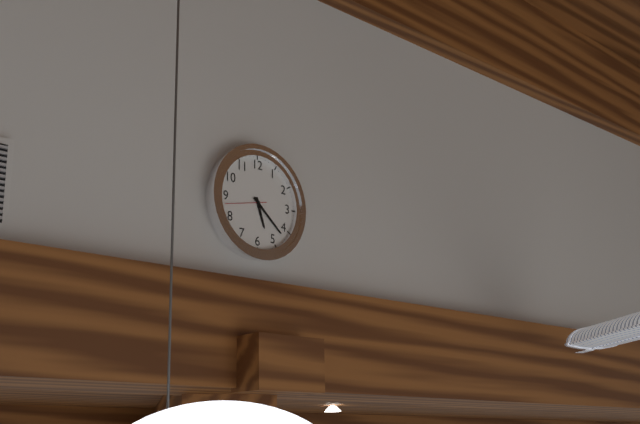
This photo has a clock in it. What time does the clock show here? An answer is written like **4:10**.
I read **5:22**
